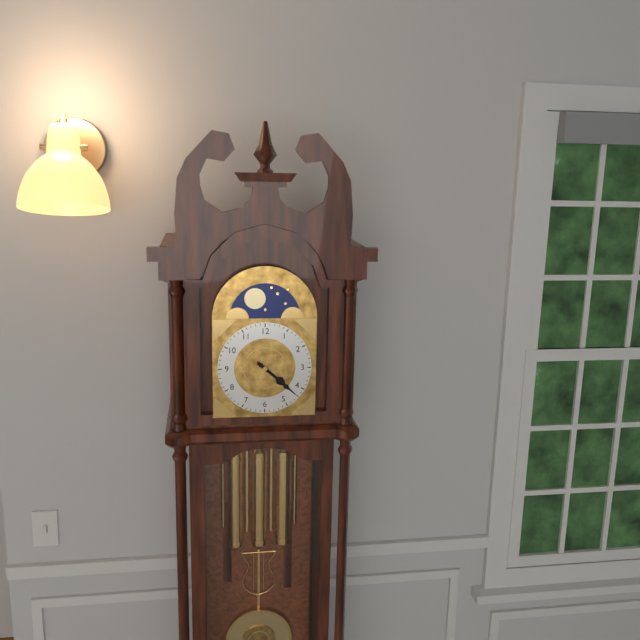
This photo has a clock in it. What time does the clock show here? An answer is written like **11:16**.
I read **4:22**
